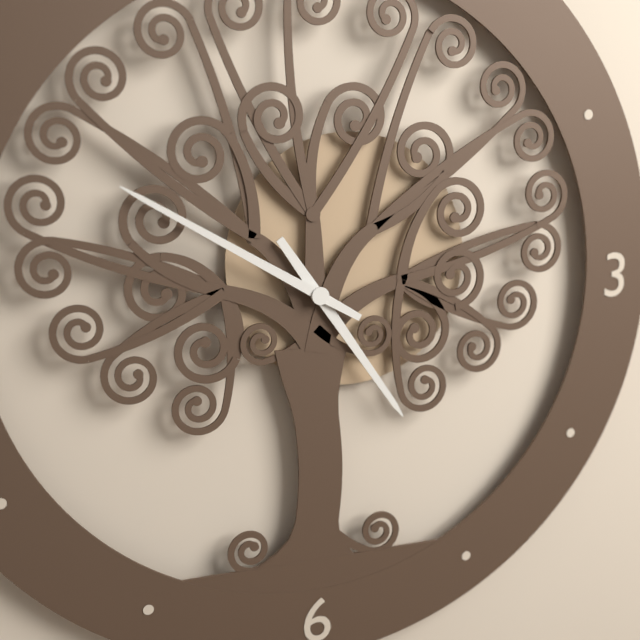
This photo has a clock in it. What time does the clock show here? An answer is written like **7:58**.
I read **4:50**
